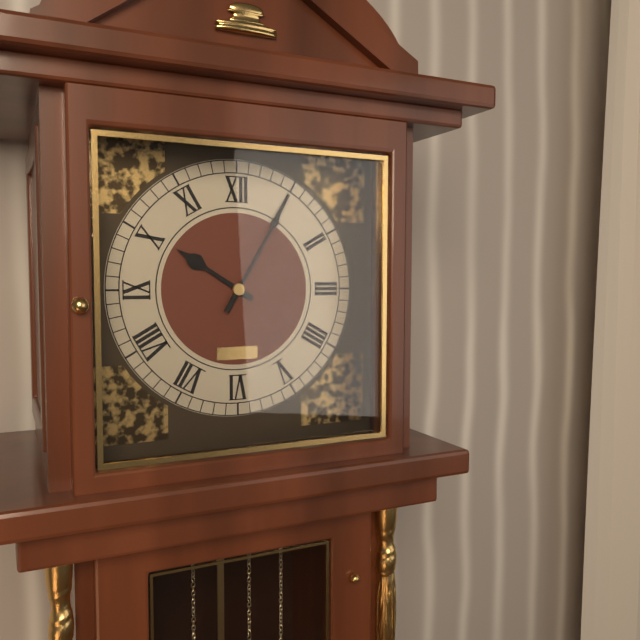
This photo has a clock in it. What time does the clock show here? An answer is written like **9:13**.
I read **10:05**
